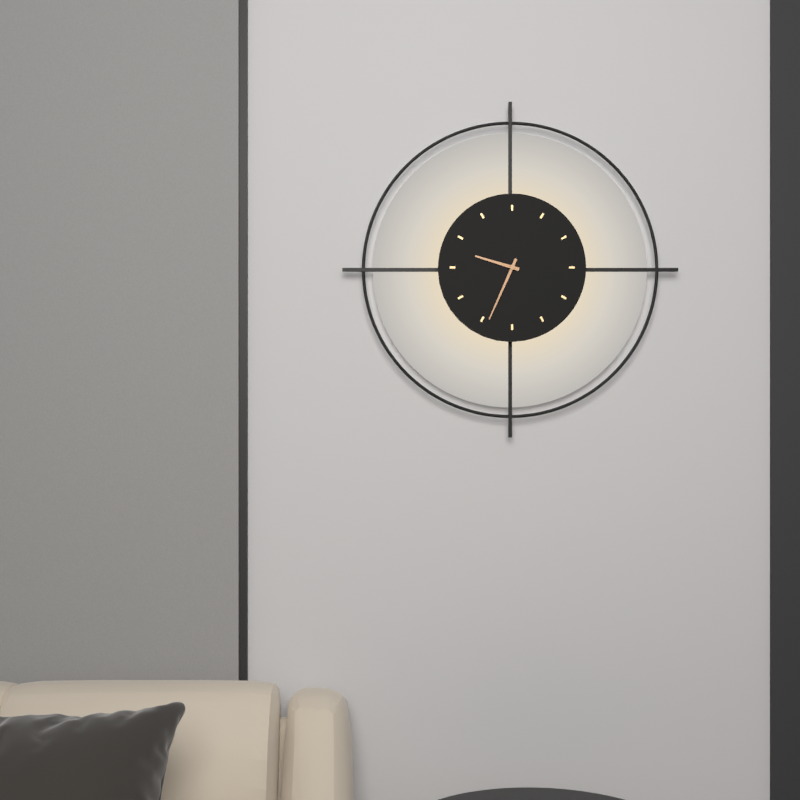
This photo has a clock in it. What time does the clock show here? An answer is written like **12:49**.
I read **9:34**
